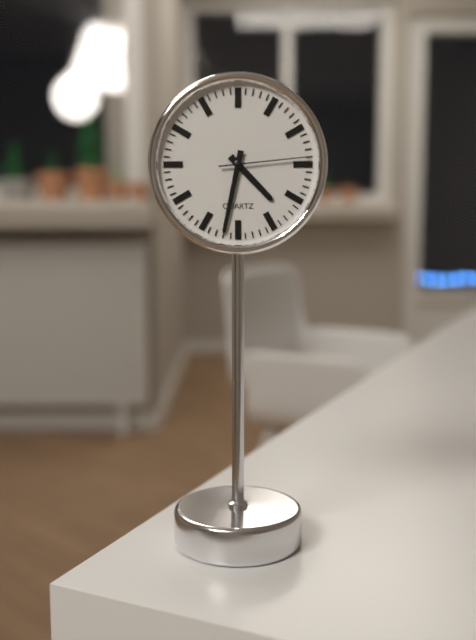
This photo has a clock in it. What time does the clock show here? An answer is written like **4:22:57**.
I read **4:32:14**
